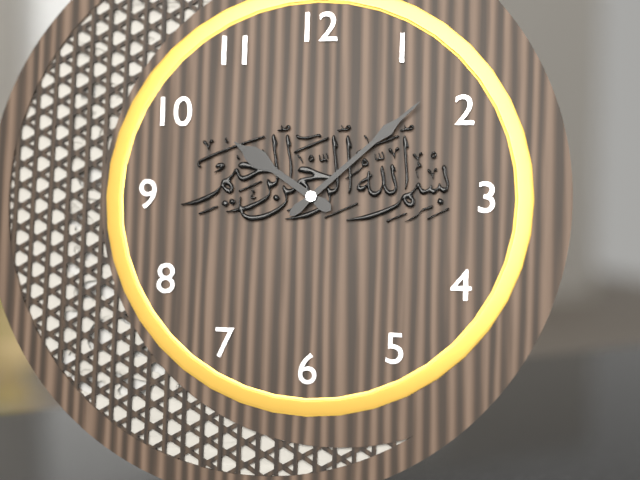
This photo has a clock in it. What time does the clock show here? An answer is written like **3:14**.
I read **10:08**
